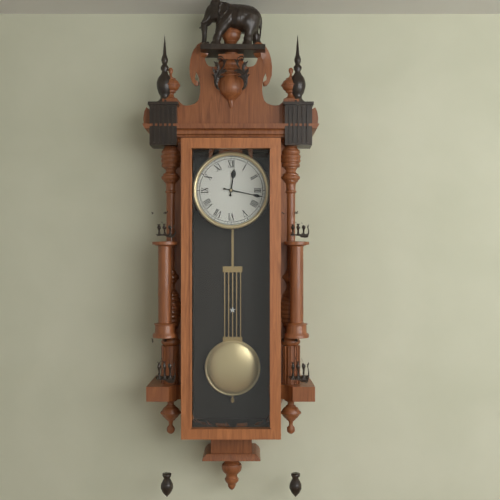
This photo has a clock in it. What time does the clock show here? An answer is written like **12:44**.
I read **12:17**
